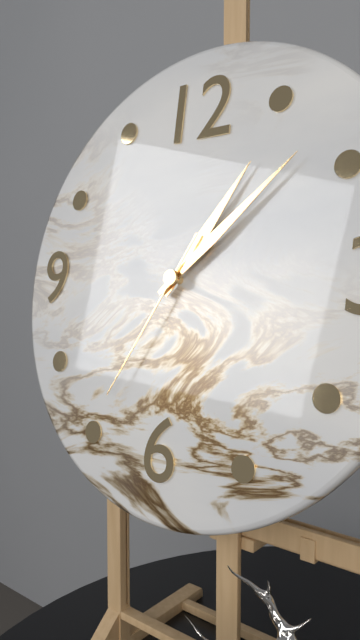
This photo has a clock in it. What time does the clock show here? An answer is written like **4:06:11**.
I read **1:08:35**
